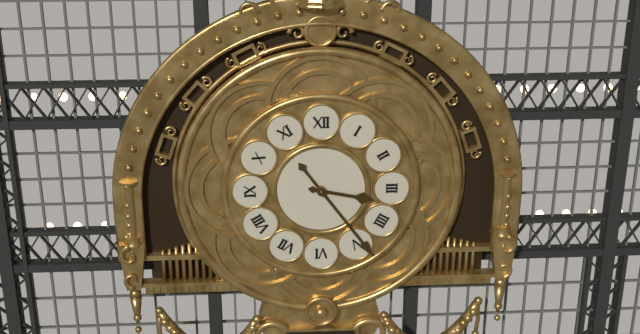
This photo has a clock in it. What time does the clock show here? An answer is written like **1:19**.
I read **3:24**
